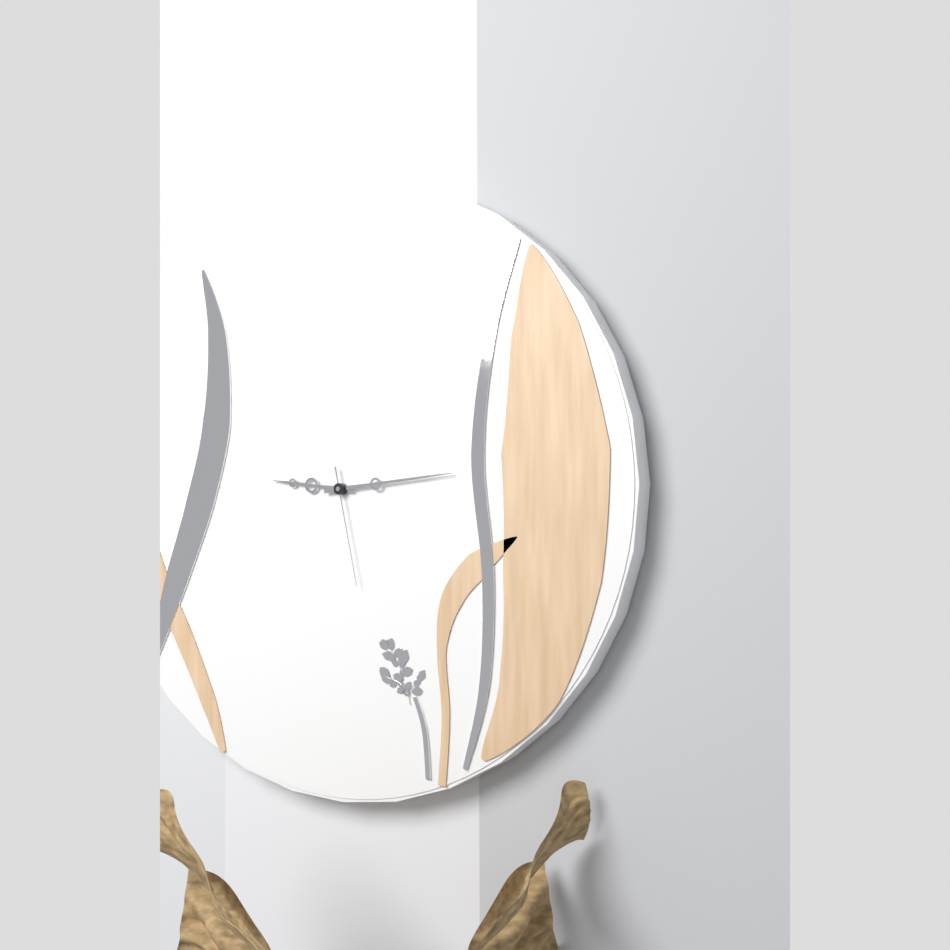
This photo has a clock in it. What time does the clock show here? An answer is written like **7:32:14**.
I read **9:14:28**
